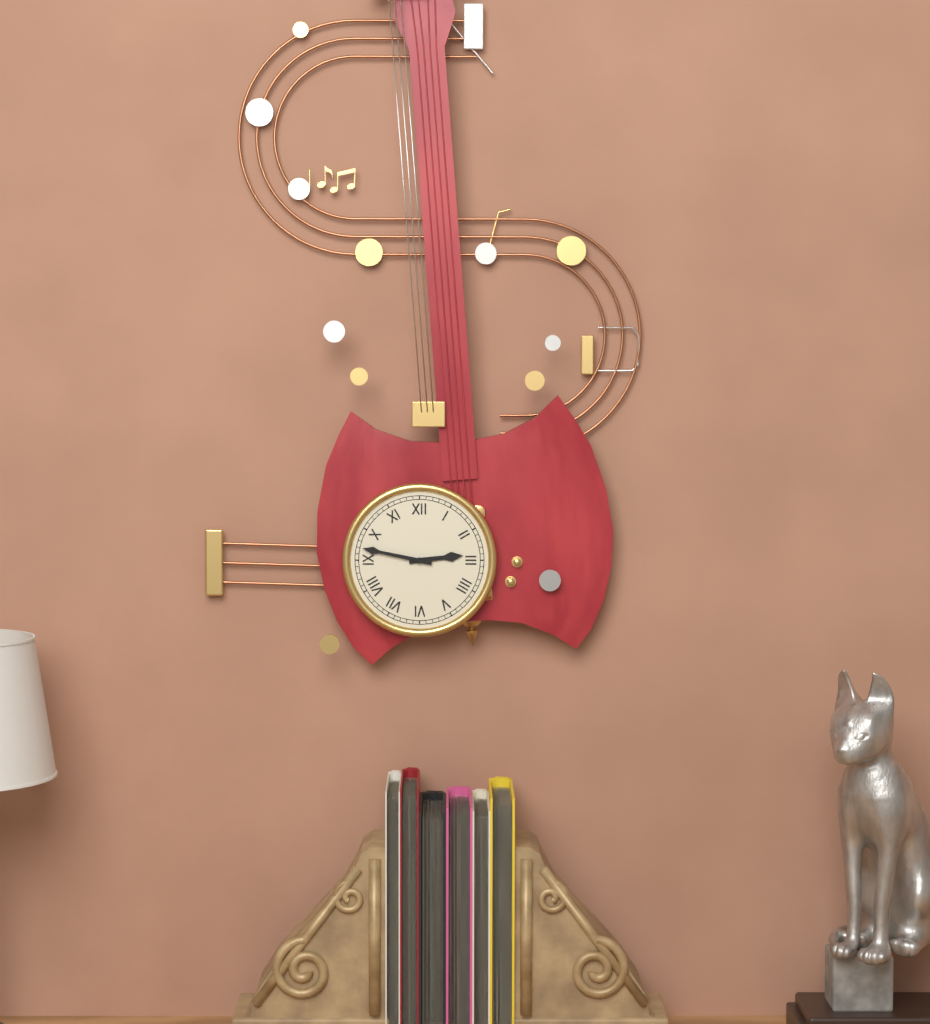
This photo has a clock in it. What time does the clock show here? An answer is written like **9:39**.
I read **2:47**
